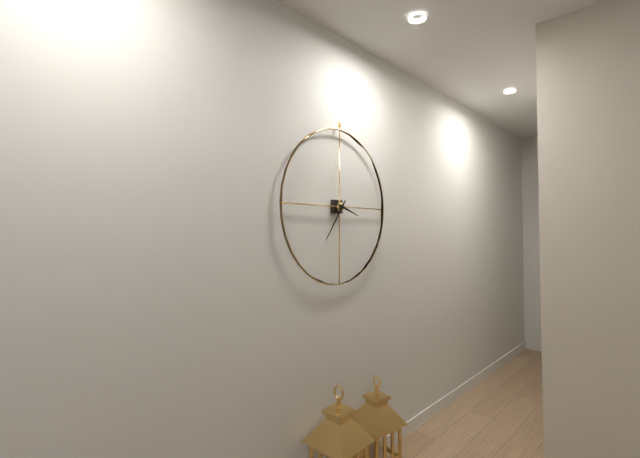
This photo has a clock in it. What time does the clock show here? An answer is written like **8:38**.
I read **3:36**
